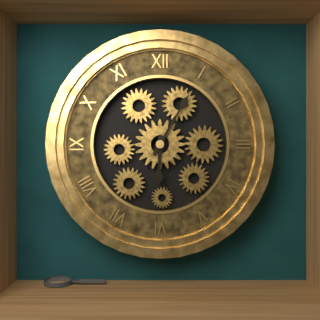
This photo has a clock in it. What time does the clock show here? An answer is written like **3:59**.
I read **6:05**
